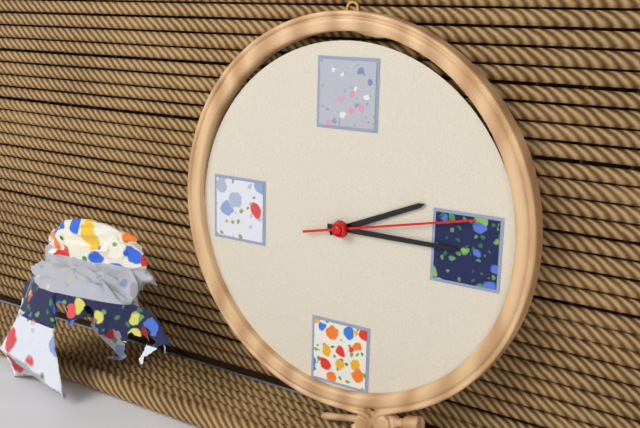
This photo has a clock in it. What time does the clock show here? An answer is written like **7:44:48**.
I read **2:15:13**
